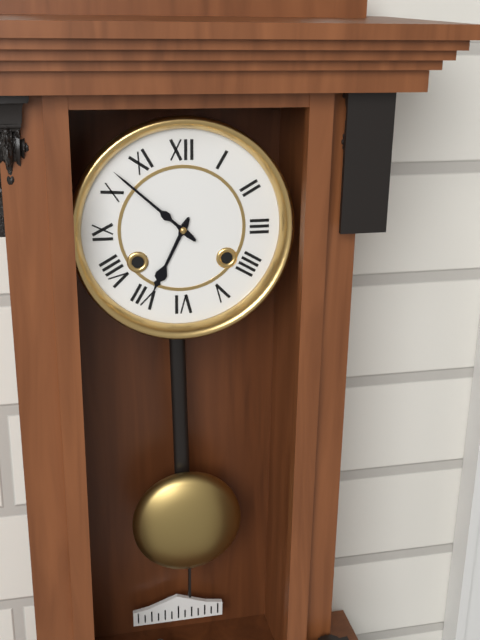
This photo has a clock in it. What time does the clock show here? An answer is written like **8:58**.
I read **6:52**
